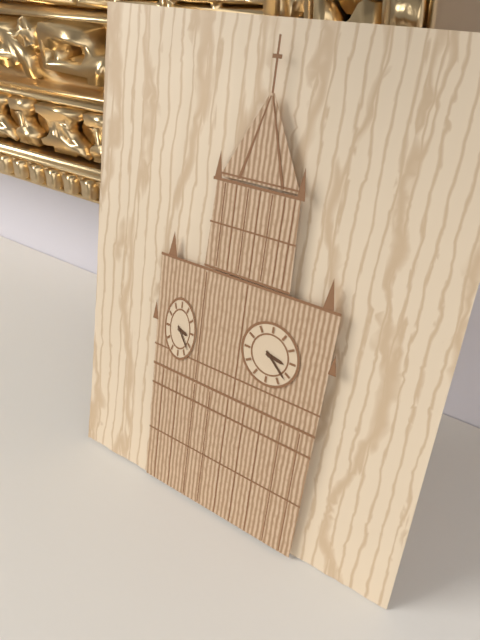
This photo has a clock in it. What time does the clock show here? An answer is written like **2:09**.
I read **3:22**
